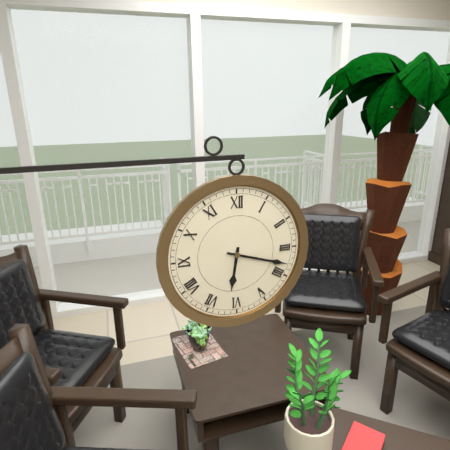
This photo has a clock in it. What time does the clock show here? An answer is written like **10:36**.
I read **6:18**
